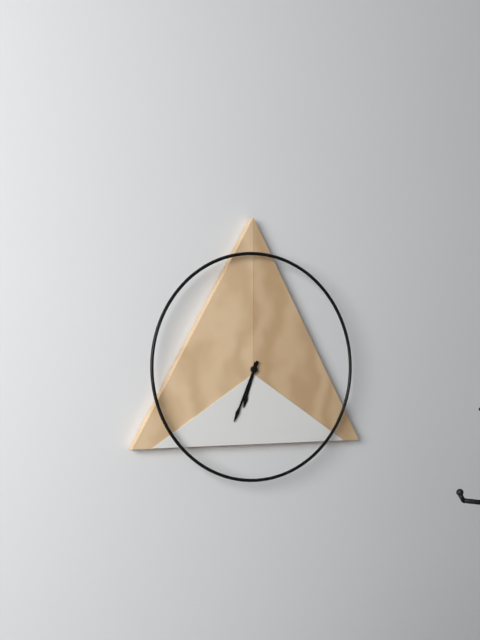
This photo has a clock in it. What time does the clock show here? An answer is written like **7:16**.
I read **6:34**
